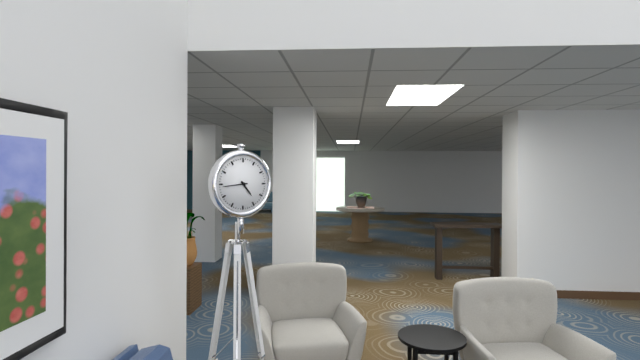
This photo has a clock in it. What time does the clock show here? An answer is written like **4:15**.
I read **4:44**
